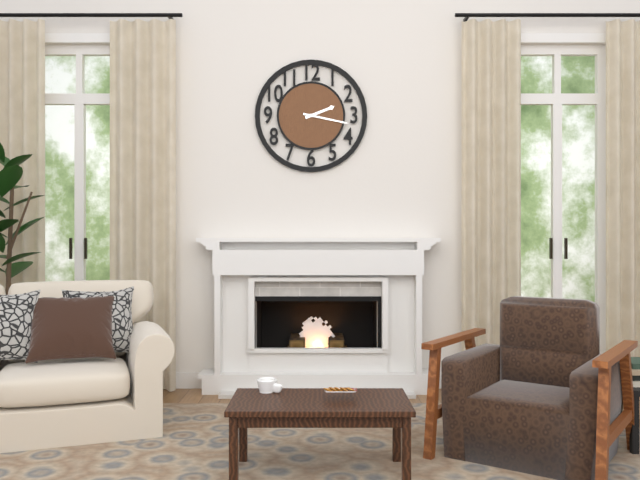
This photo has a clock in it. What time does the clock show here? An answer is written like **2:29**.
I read **2:17**
